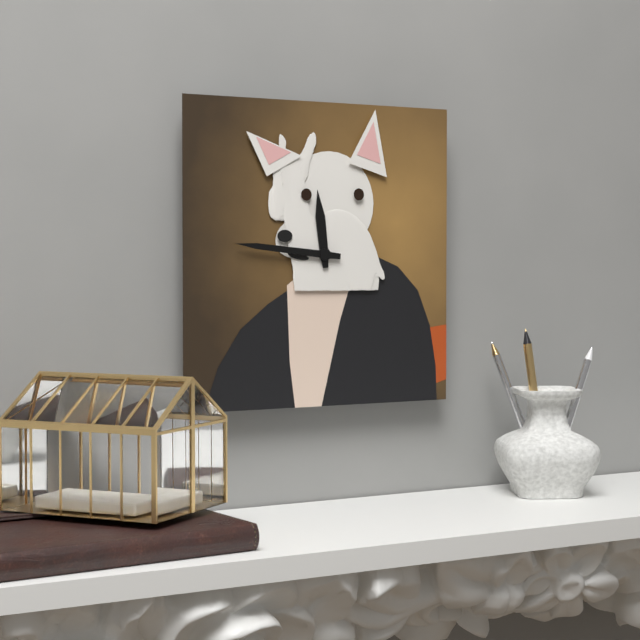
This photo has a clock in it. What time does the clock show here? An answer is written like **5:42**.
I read **11:46**
